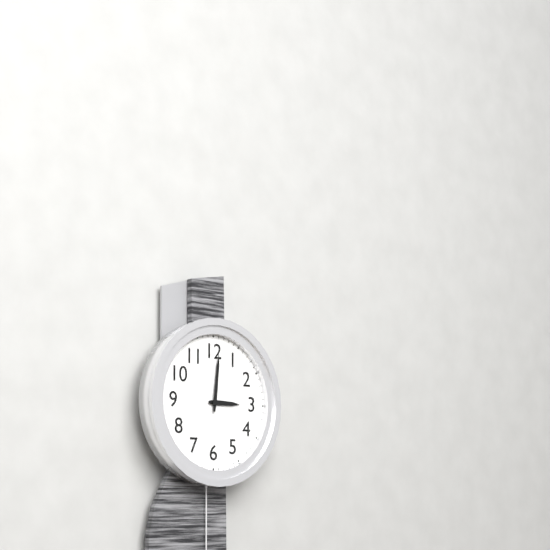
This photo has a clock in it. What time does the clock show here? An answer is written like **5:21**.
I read **3:01**
